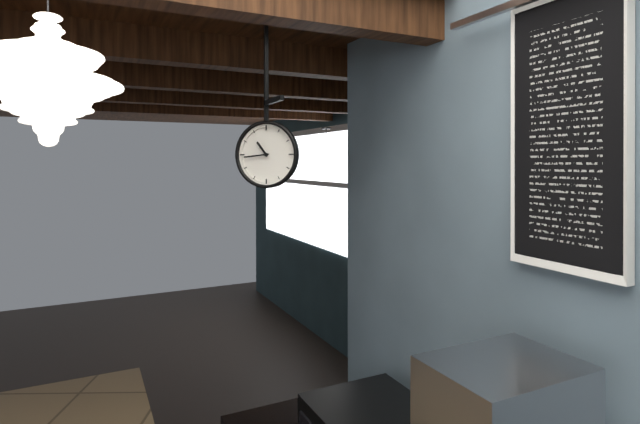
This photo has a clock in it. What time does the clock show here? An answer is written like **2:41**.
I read **10:44**
